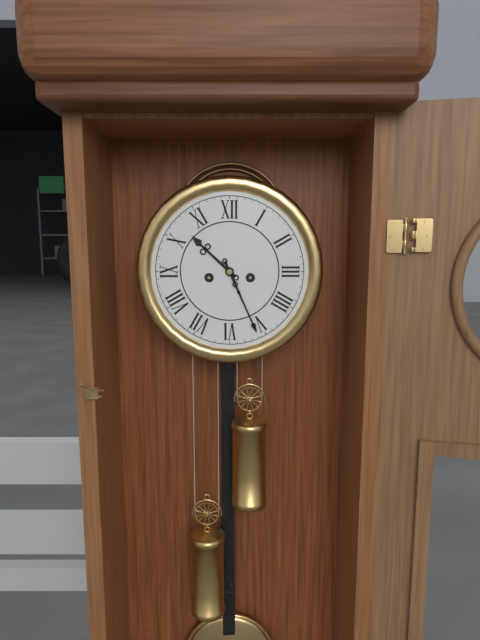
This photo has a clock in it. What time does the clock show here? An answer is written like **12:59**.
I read **10:26**
